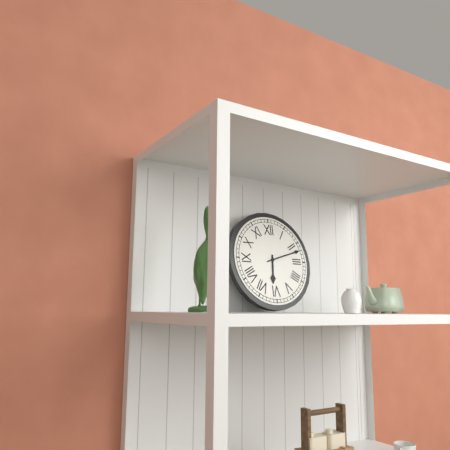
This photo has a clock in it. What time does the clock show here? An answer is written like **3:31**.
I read **6:12**
